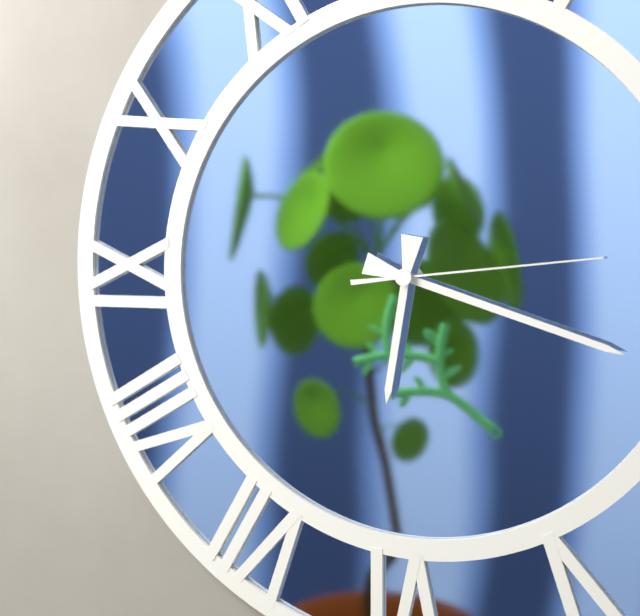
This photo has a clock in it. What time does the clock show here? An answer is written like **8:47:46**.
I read **6:18:14**
